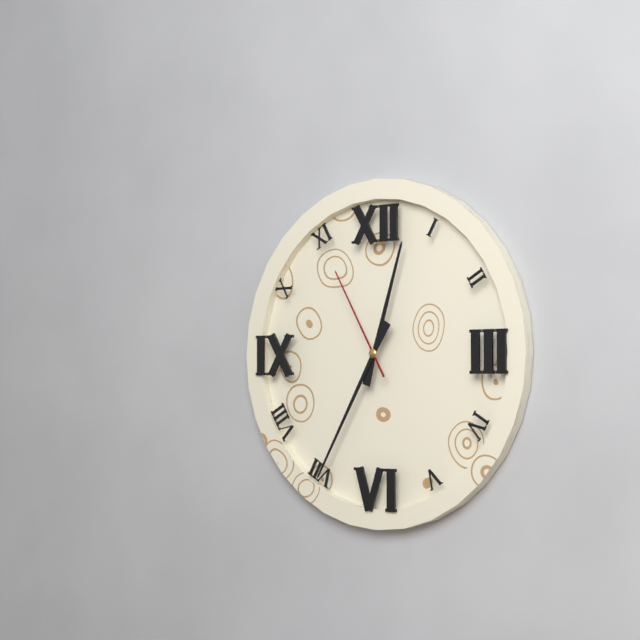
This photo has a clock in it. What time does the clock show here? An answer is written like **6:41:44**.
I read **12:35:55**
